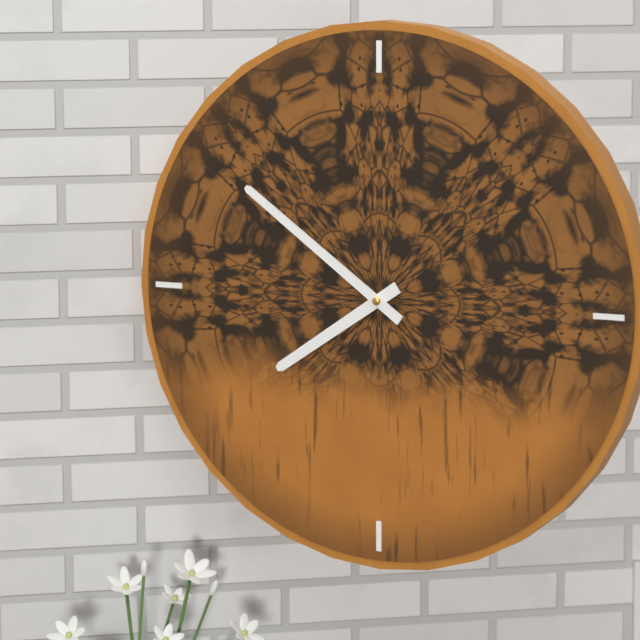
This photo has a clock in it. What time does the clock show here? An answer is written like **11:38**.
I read **7:51**
